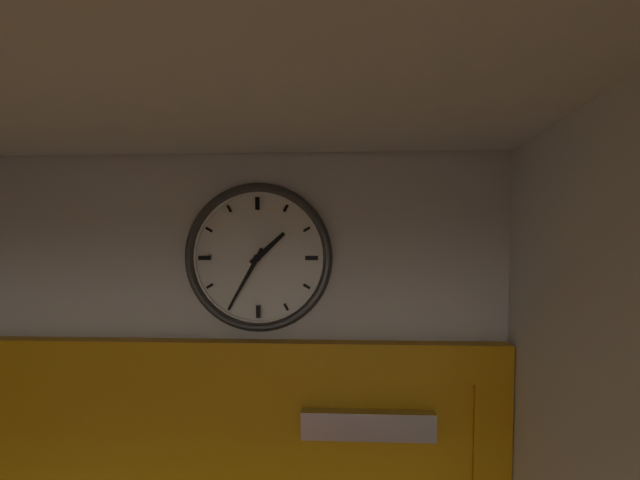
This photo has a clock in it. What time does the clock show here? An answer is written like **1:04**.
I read **1:35**
